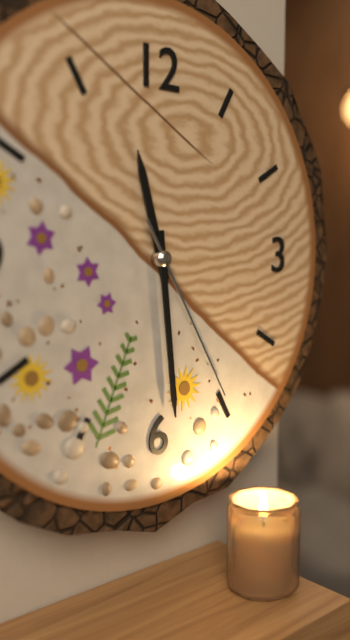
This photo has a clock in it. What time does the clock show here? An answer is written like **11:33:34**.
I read **11:29:25**
